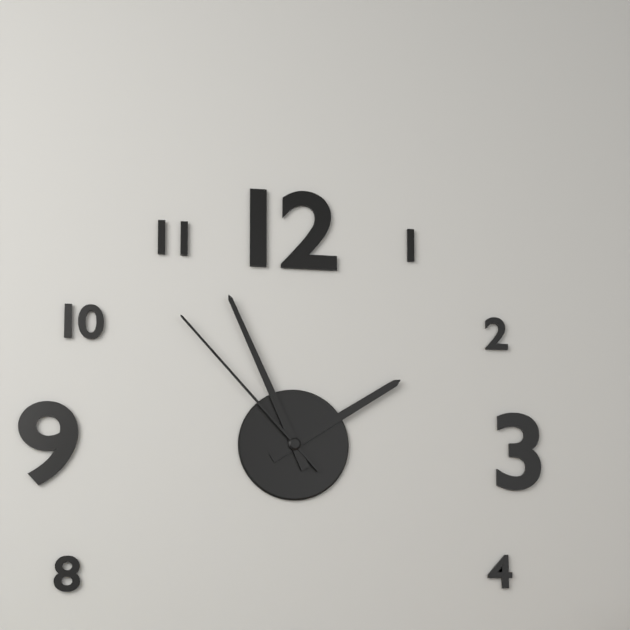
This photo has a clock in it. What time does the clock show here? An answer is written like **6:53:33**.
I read **1:56:53**
